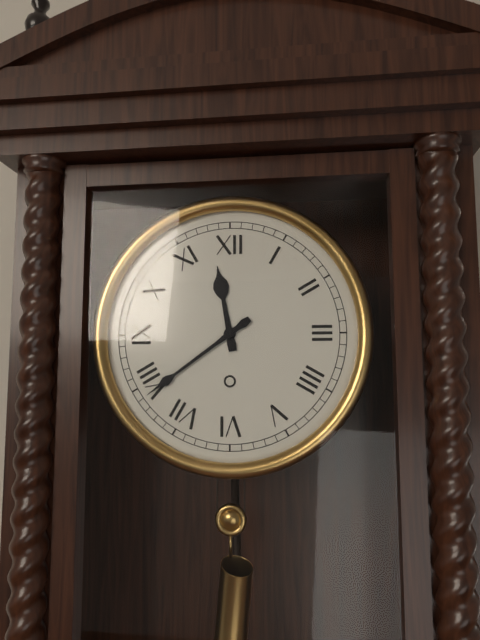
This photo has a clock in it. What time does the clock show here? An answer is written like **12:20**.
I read **11:39**
